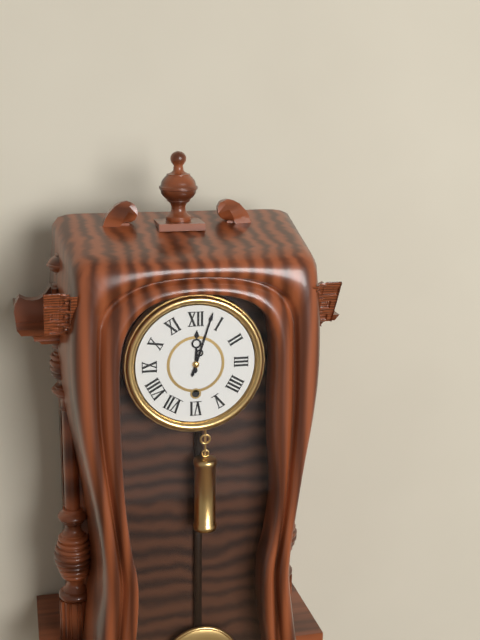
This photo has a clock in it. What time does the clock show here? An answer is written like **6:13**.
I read **12:03**
